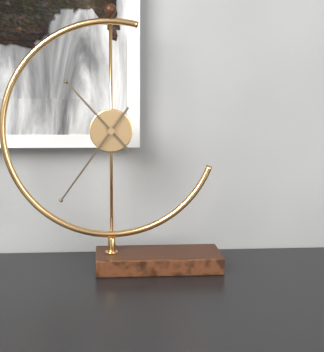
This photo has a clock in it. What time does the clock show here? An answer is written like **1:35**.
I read **10:36**
